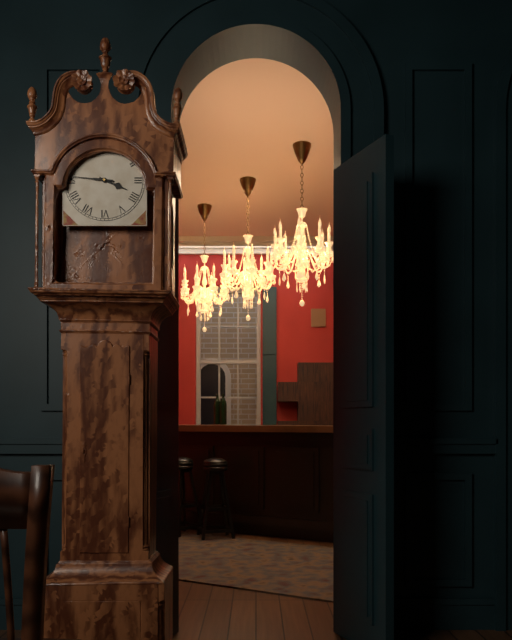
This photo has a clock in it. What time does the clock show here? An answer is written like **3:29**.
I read **3:46**
